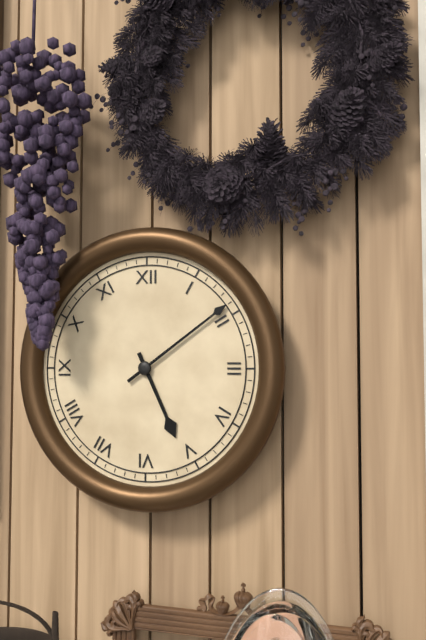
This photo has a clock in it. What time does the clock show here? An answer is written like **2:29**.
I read **5:09**
